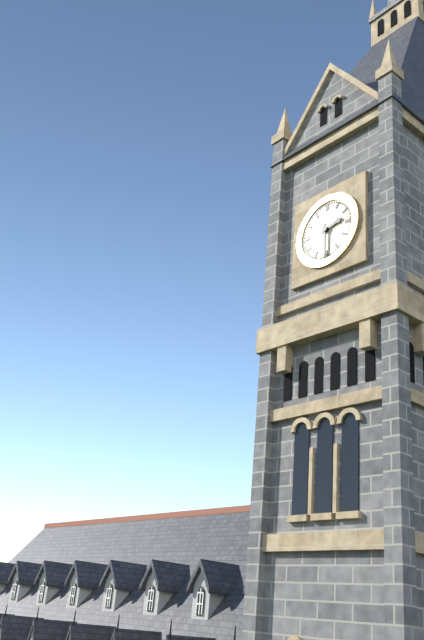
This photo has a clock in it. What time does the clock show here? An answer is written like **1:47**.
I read **2:30**
